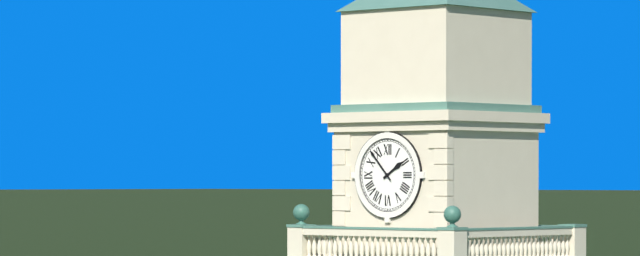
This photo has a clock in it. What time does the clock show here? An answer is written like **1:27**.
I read **1:53**
